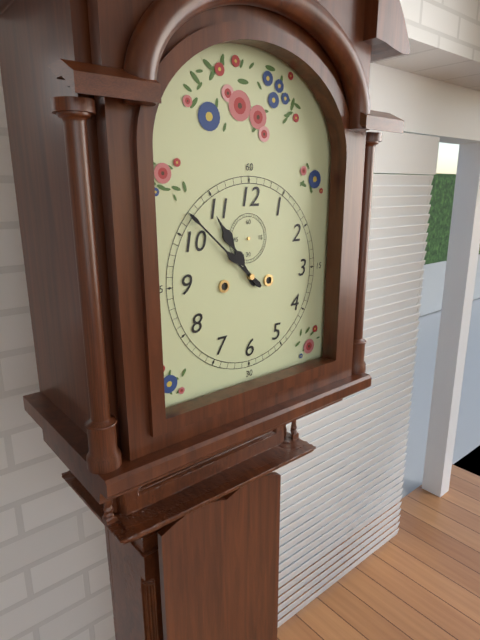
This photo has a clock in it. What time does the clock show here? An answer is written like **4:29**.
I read **10:52**
